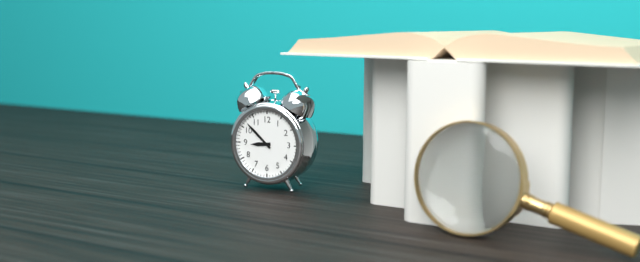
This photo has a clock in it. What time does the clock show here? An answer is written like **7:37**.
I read **8:52**
